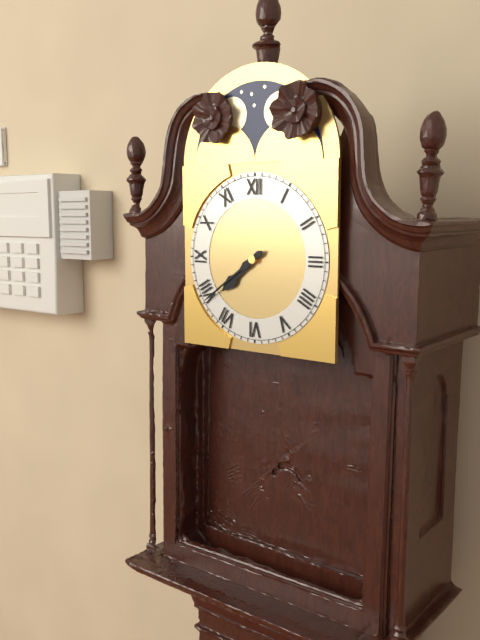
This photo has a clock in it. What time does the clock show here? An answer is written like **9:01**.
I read **7:39**
